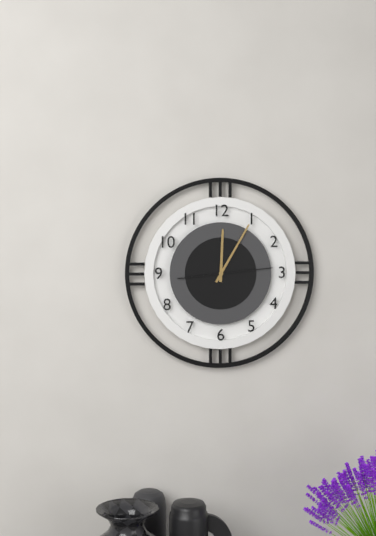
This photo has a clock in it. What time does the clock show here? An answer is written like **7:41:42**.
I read **12:05:14**
